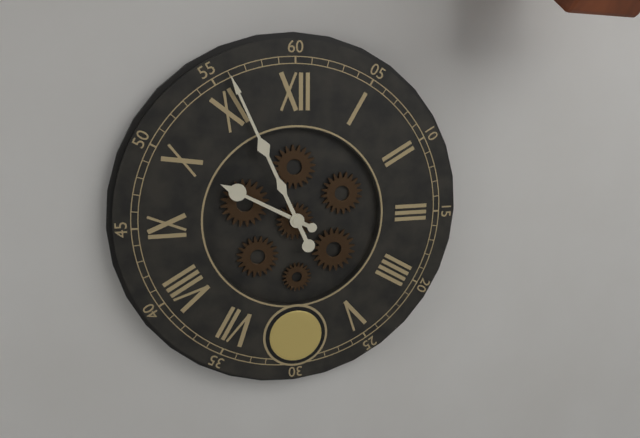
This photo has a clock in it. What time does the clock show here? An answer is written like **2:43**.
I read **9:56**
